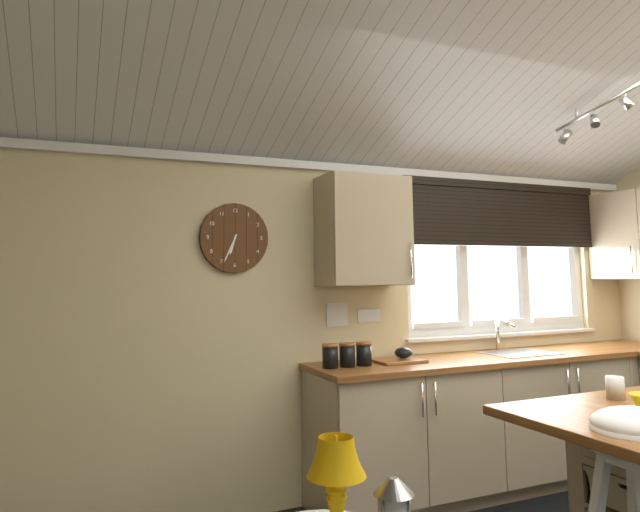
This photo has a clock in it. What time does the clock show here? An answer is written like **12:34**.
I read **6:34**
